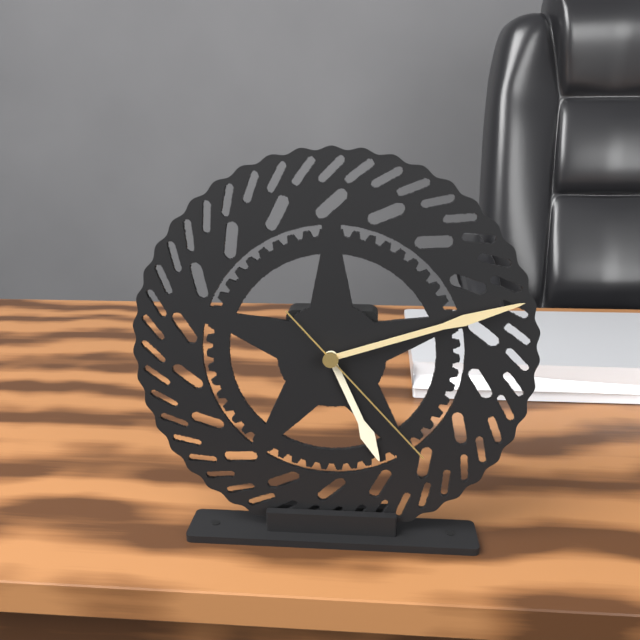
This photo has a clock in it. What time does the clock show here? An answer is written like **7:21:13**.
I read **5:12:23**
